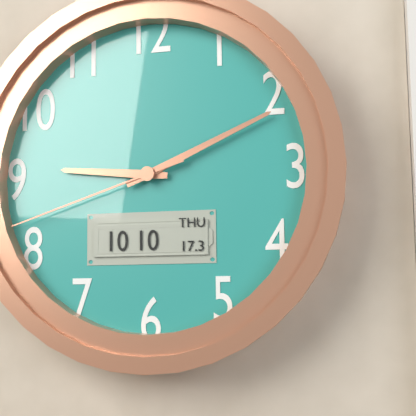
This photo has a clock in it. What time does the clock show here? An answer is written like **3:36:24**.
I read **9:11:42**
